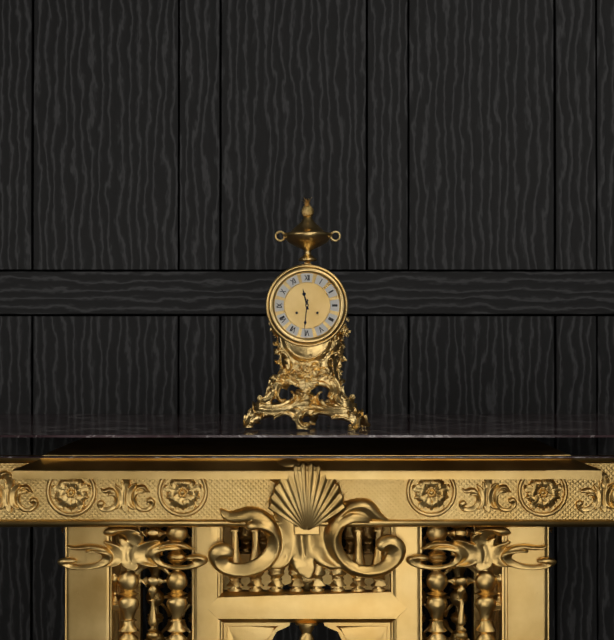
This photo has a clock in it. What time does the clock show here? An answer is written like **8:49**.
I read **11:31**
